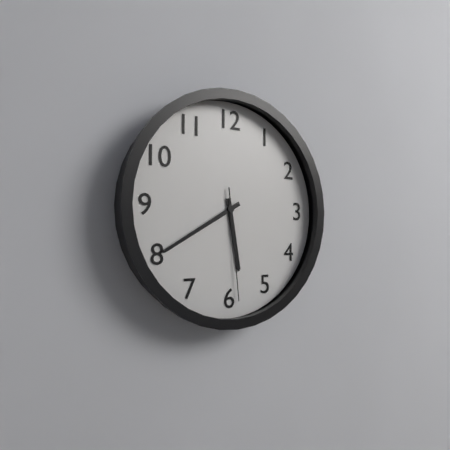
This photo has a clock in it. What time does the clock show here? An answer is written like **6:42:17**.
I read **5:40:29**
